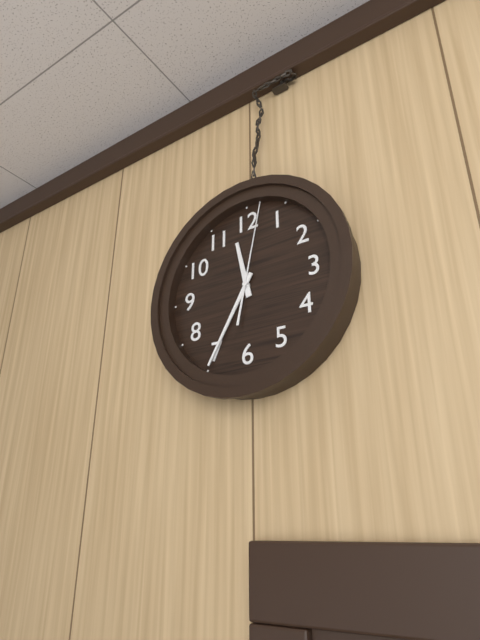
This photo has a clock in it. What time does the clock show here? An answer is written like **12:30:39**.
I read **11:35:02**
